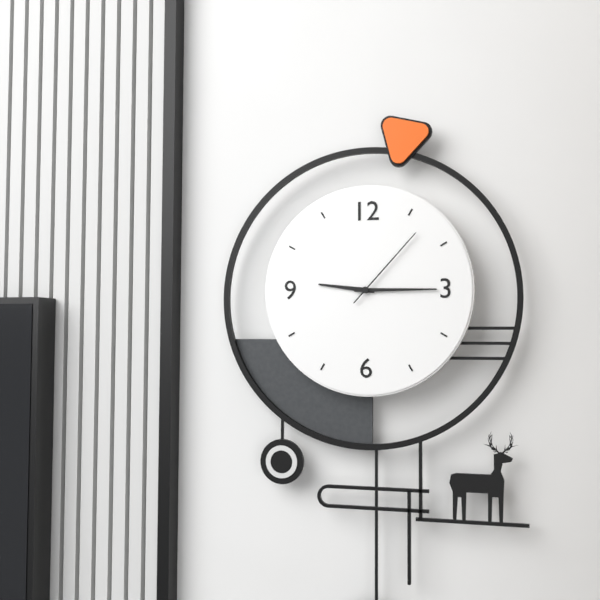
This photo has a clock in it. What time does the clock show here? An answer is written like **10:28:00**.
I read **9:15:07**
